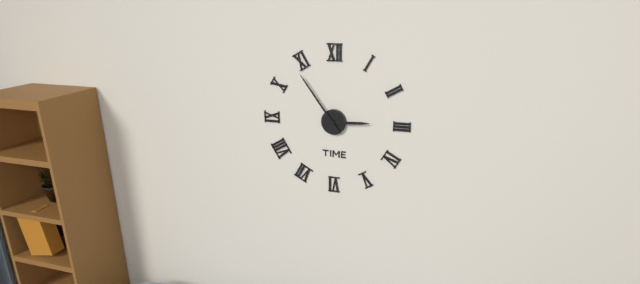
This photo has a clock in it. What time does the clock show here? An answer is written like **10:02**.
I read **2:54**
